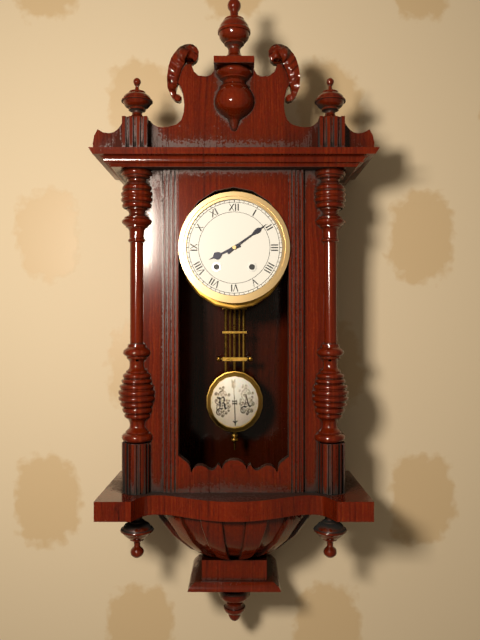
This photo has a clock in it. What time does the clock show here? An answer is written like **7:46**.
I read **8:09**
